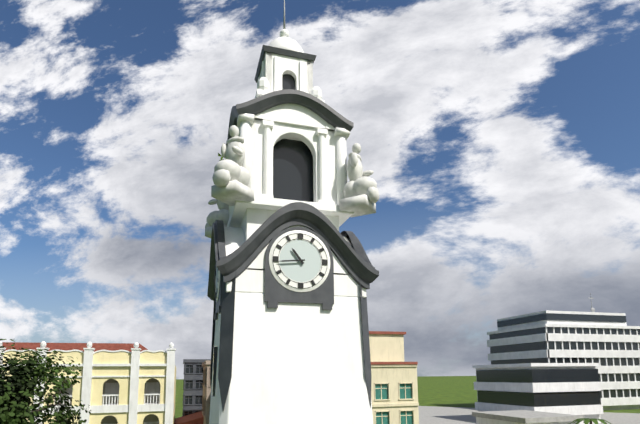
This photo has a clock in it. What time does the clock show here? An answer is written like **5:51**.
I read **10:44**
